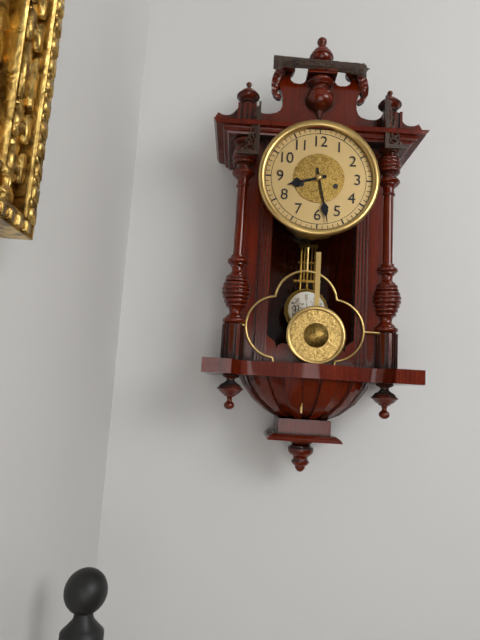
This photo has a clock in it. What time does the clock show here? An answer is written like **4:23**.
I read **8:28**
